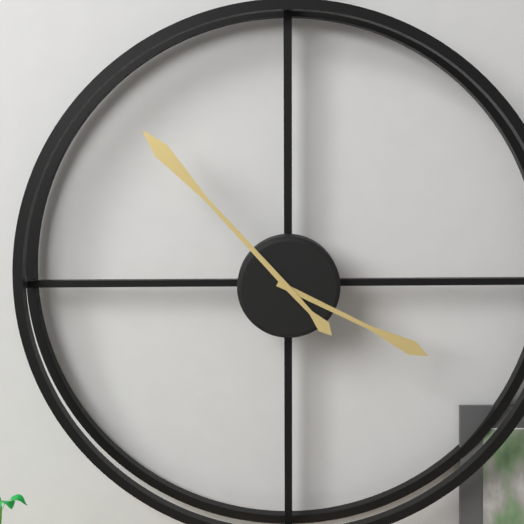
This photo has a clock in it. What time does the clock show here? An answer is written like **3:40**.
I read **3:53**
